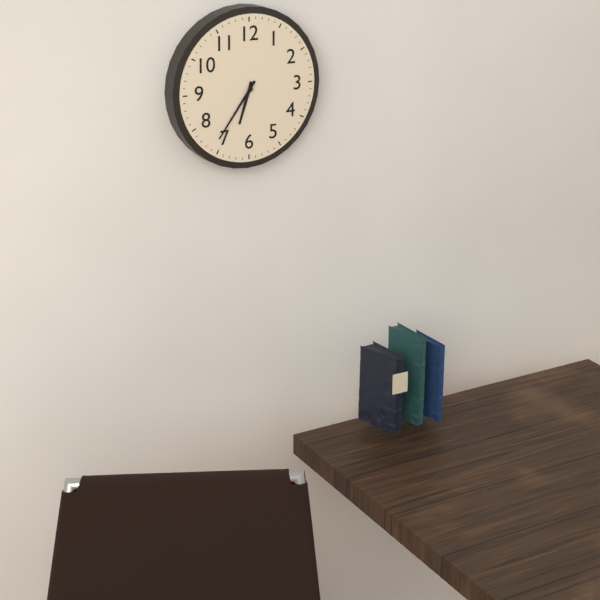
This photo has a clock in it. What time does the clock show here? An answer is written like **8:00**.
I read **6:36**
